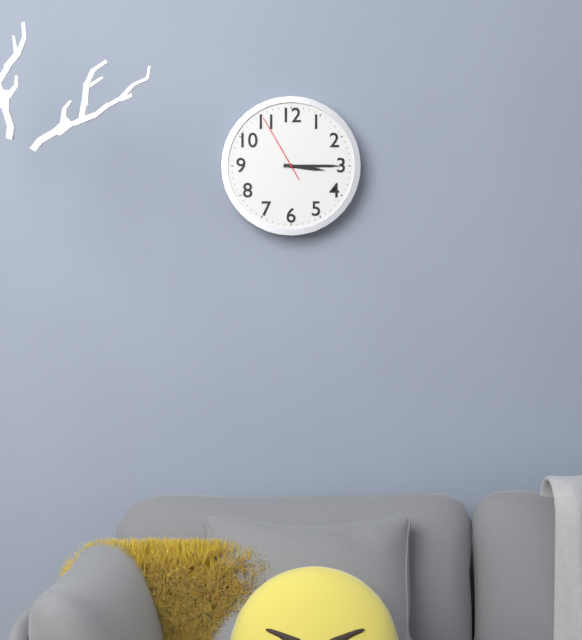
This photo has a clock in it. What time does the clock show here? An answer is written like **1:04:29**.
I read **3:15:55**
